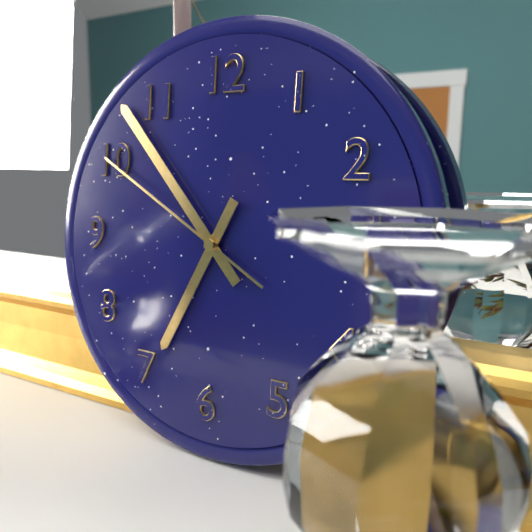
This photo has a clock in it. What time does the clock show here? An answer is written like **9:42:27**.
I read **6:53:50**
